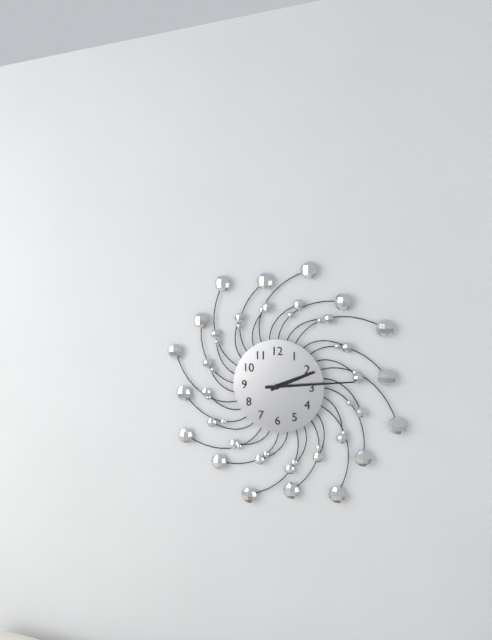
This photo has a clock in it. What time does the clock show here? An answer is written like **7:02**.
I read **2:14**
